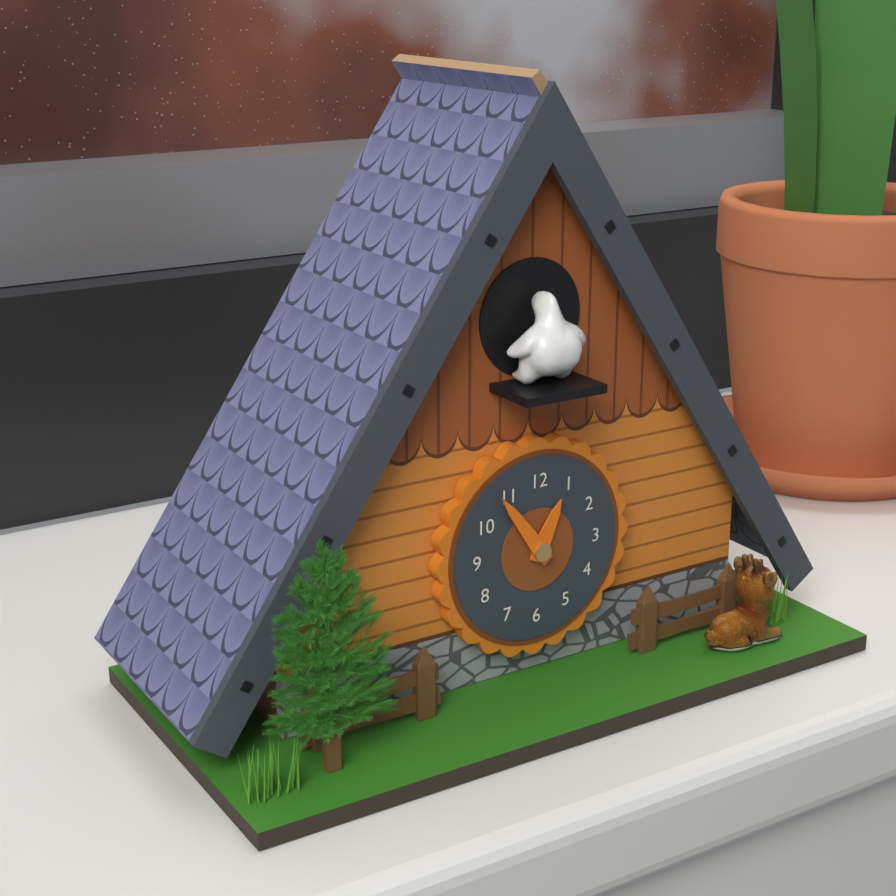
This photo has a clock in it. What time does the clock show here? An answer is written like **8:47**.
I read **12:54**
